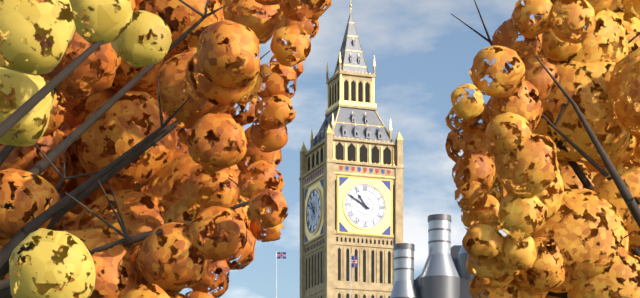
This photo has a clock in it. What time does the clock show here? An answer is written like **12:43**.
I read **10:50**
